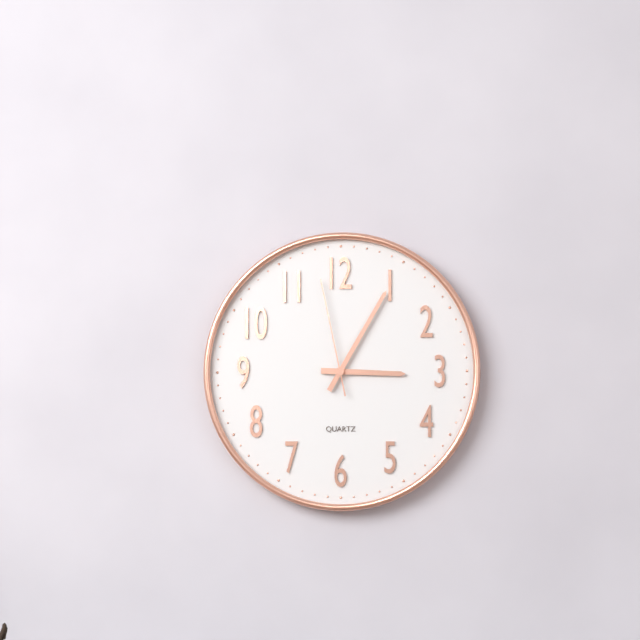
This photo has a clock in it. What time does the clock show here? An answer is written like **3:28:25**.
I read **3:05:58**
